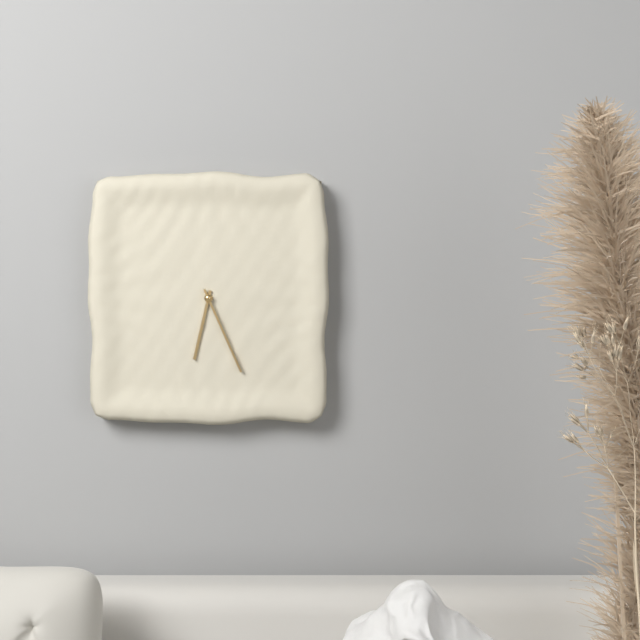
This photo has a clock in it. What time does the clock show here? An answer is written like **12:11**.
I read **6:26**
